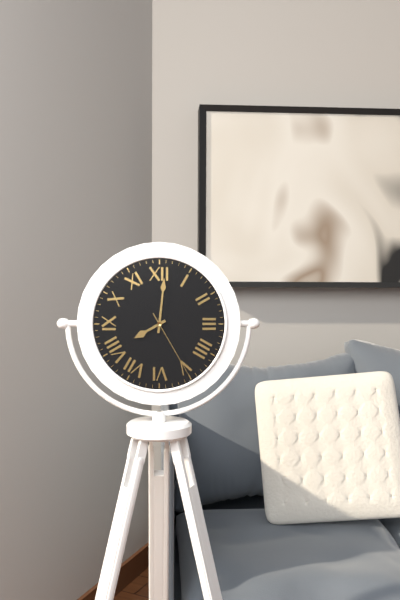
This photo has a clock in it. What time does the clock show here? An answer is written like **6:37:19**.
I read **8:01:25**
